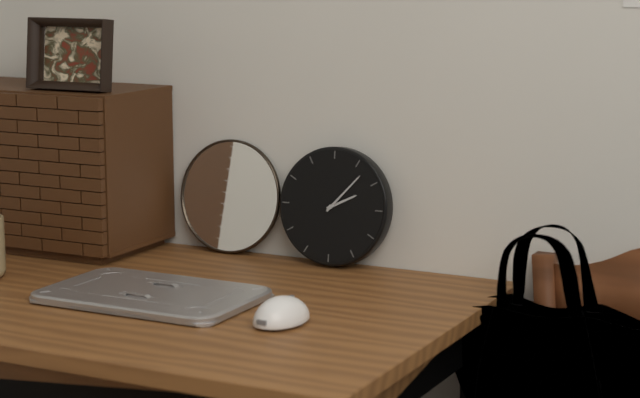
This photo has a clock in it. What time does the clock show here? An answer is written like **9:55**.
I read **2:07**
